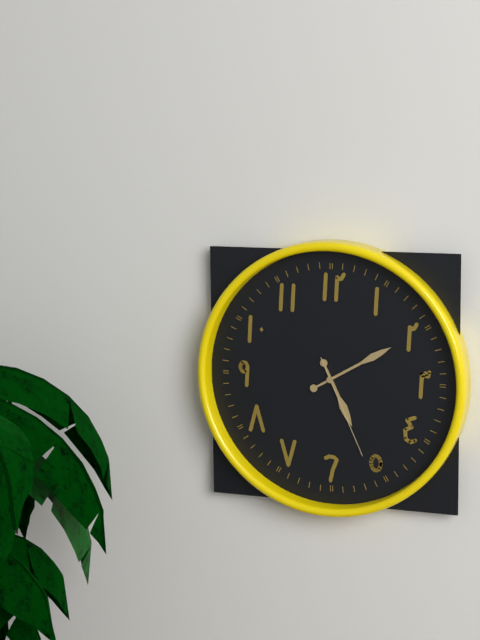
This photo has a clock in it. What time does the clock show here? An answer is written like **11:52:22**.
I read **5:10:26**
